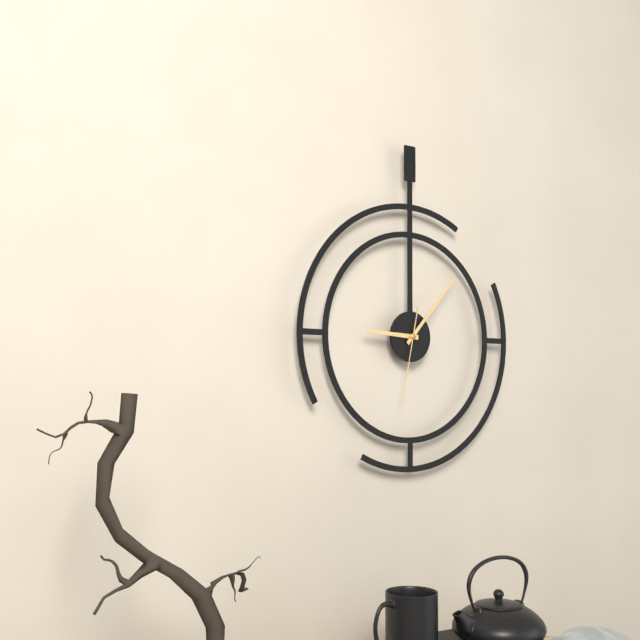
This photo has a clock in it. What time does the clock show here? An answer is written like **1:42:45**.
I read **9:07:32**
